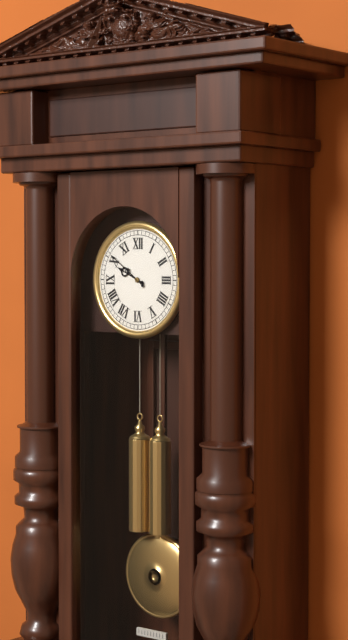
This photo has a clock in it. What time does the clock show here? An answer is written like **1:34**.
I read **9:51**
